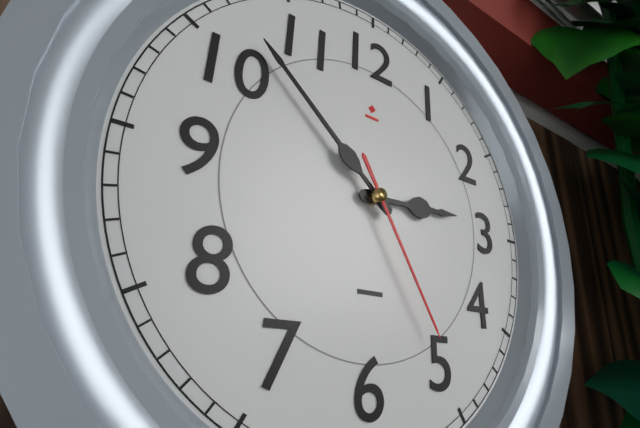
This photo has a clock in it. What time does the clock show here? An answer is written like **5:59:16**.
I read **2:52:25**
